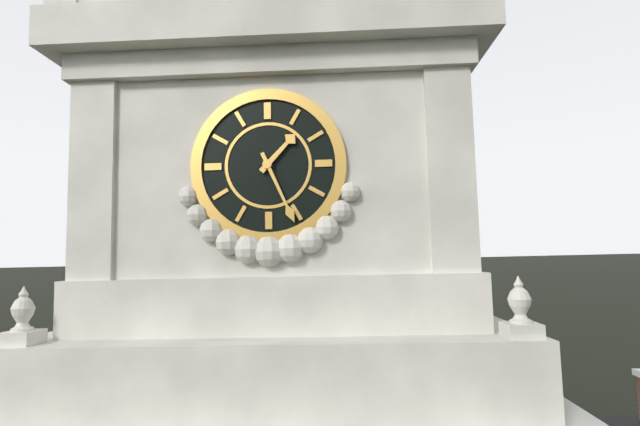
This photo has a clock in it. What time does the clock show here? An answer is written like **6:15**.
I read **1:26**
